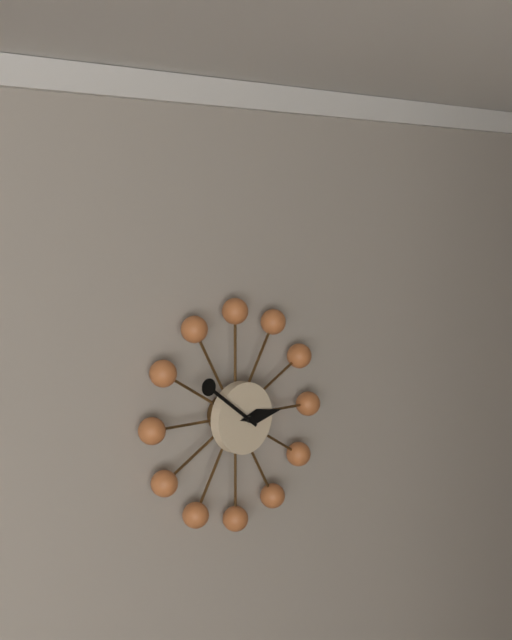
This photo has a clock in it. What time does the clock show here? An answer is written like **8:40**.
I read **2:51**
